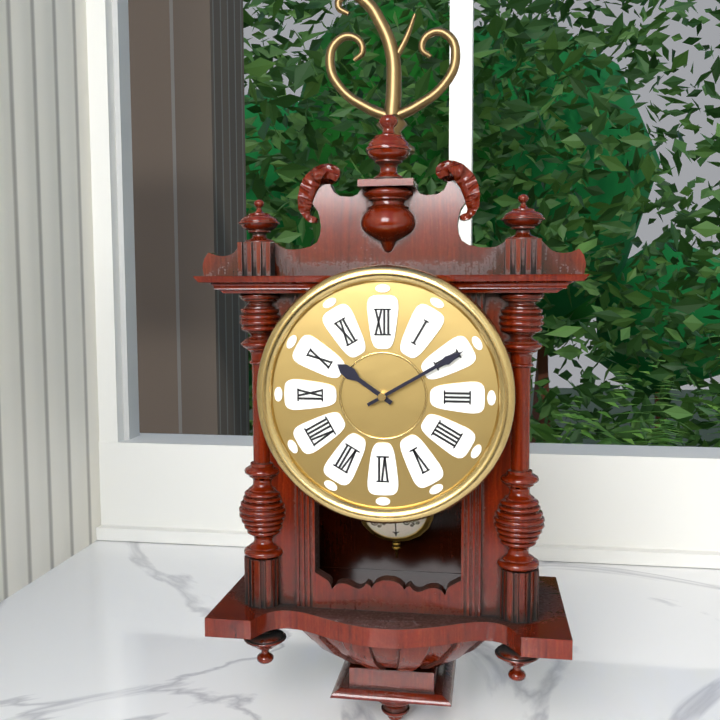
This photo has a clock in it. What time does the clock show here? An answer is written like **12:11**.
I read **10:10**
